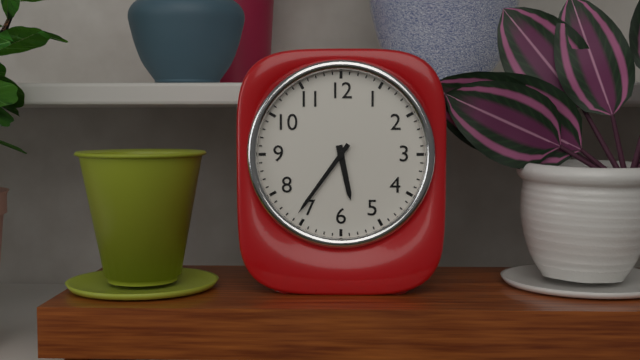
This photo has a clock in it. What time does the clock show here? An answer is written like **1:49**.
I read **5:36**
